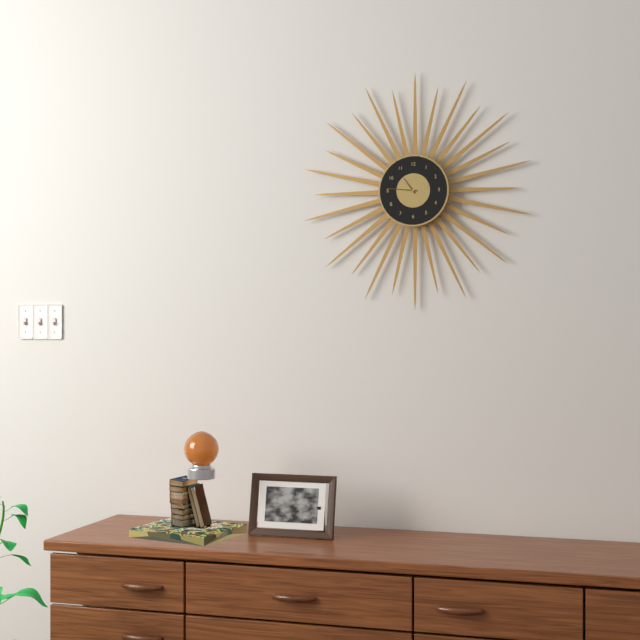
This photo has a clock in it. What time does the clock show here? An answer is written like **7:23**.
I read **10:46**
